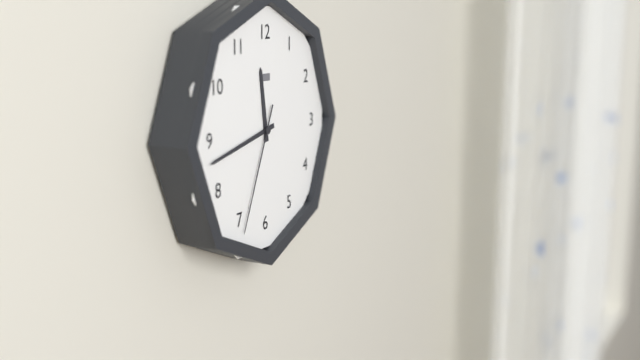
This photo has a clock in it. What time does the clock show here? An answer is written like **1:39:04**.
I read **11:43:34**
